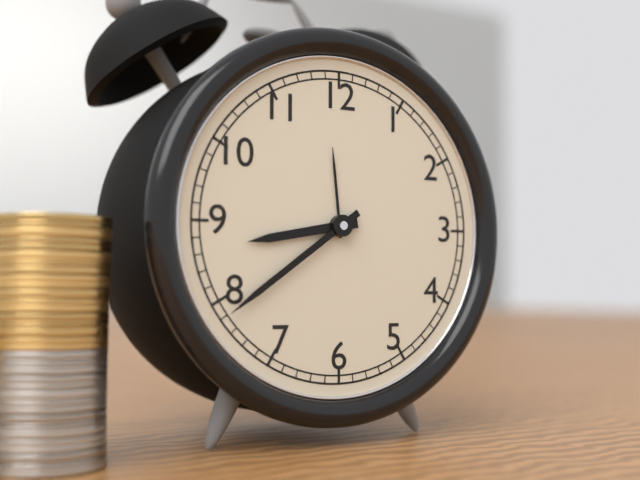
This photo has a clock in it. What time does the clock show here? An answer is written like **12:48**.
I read **8:39**
